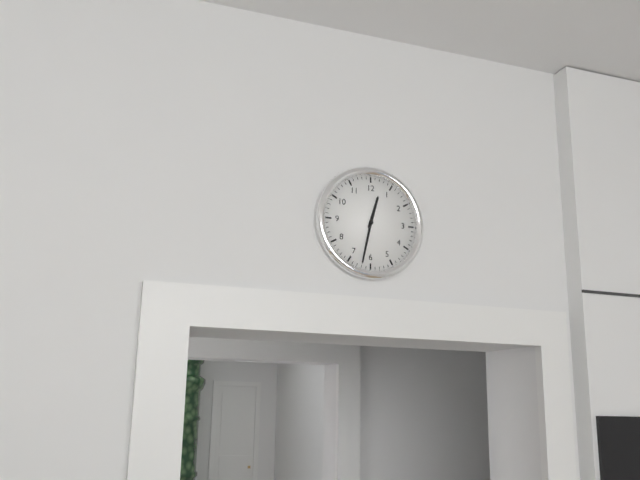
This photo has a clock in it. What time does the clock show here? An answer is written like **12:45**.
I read **12:32**
